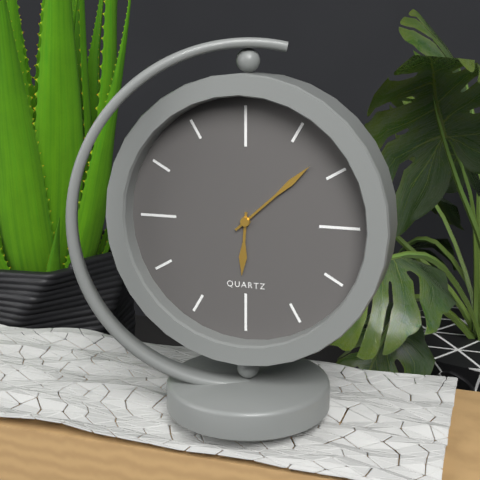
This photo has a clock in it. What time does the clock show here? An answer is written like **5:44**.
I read **6:08**
